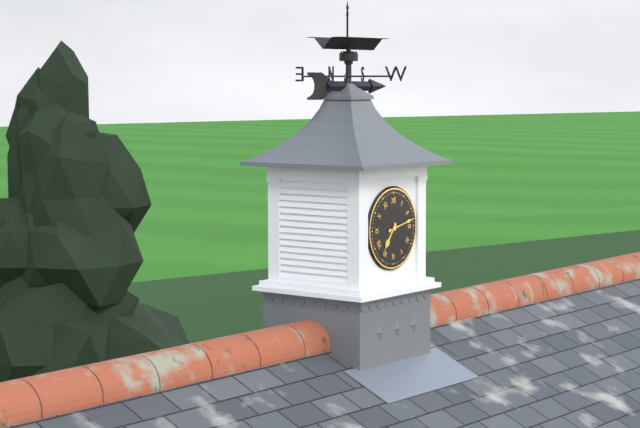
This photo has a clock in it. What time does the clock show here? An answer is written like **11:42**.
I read **7:13**
